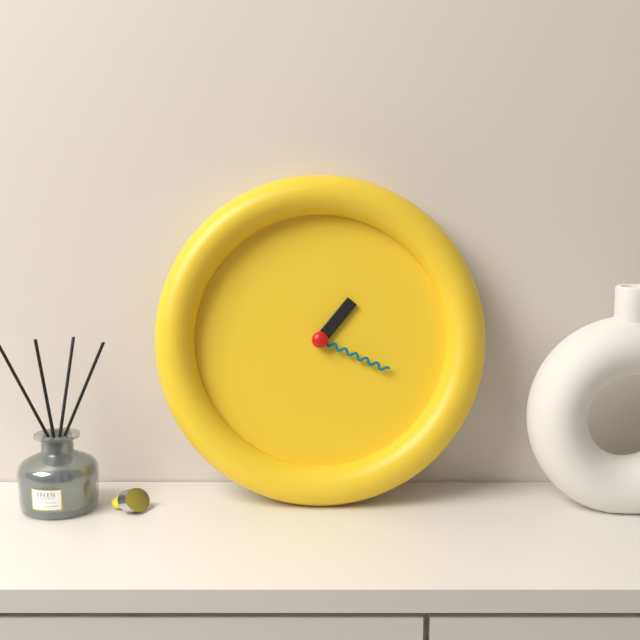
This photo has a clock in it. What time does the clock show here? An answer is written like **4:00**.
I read **1:19**
